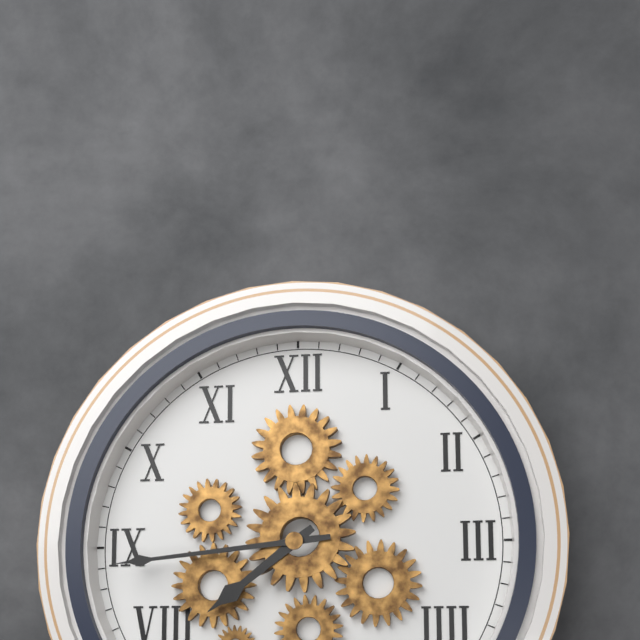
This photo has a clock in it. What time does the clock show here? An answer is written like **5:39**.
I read **7:44**
